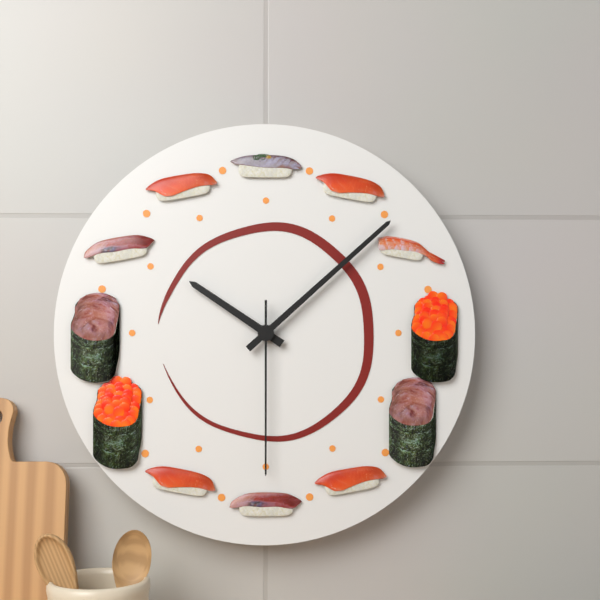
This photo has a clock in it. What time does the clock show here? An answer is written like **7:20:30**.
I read **10:08:30**
